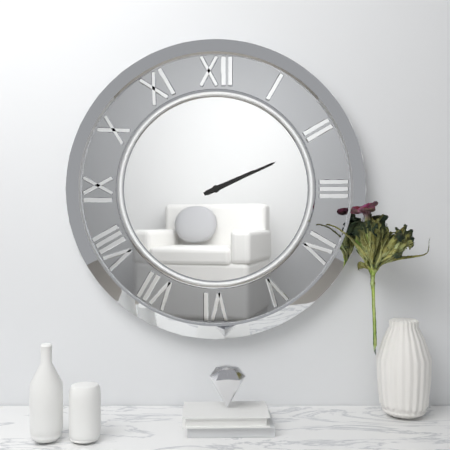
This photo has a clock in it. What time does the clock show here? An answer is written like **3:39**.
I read **2:11**
